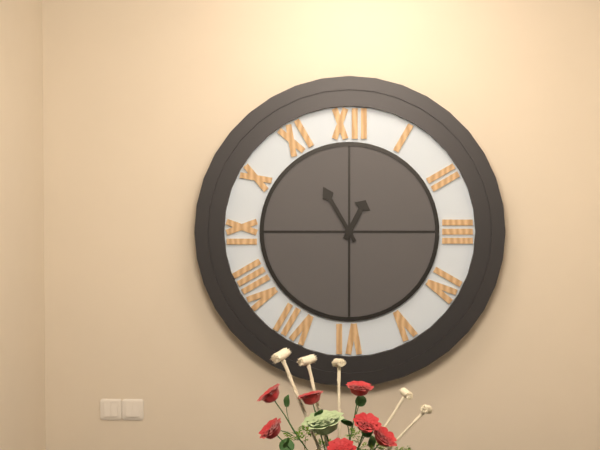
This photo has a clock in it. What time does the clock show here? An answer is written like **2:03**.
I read **12:55**
